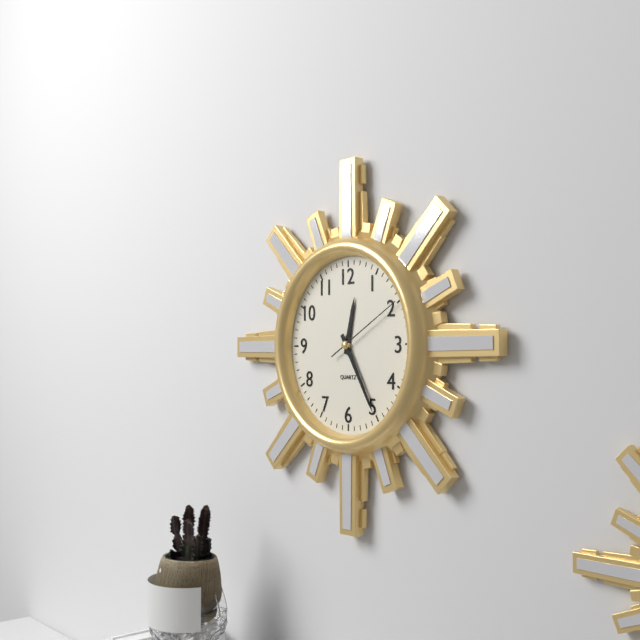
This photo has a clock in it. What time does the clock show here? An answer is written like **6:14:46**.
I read **12:25:10**
